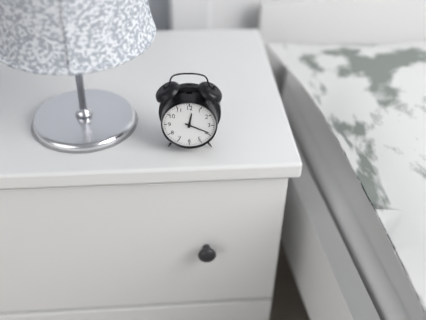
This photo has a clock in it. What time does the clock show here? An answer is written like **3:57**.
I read **12:19**
